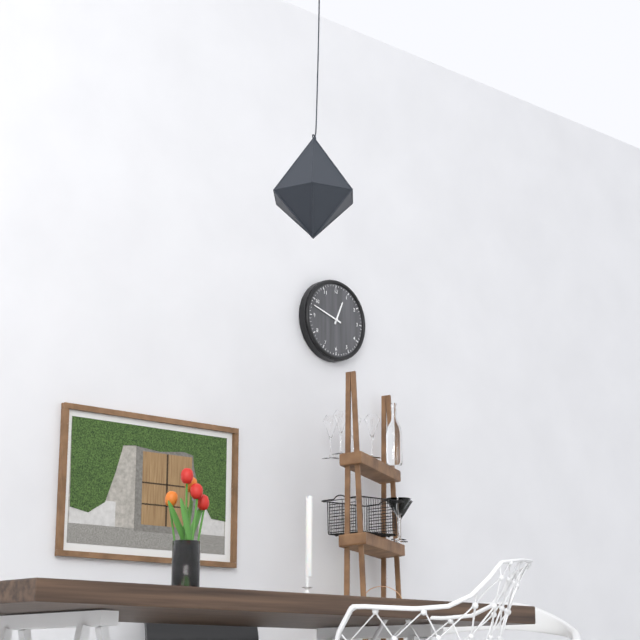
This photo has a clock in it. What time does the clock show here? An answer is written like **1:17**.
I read **12:48**
